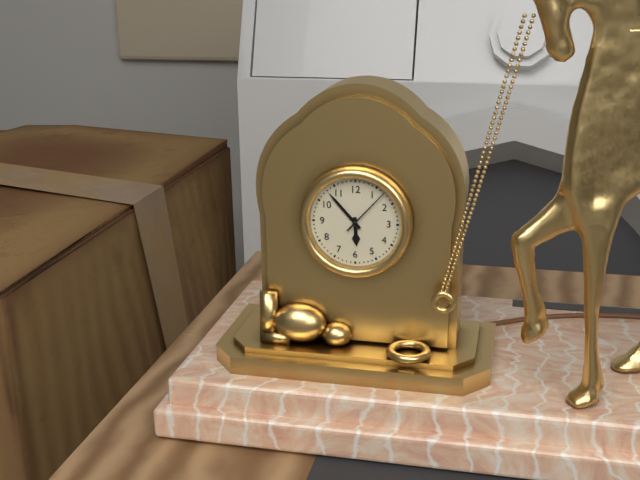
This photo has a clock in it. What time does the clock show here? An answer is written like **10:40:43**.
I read **5:53:07**
